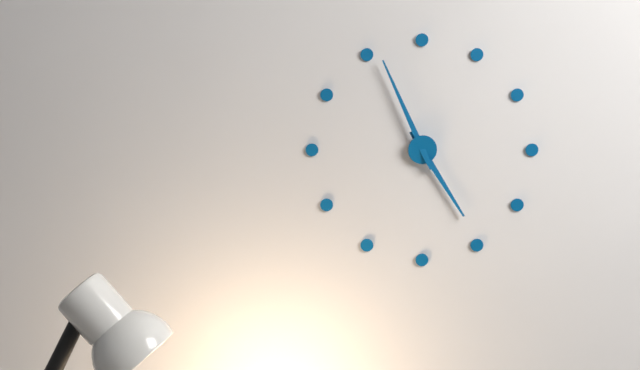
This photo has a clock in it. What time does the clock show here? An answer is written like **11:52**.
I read **4:56**
